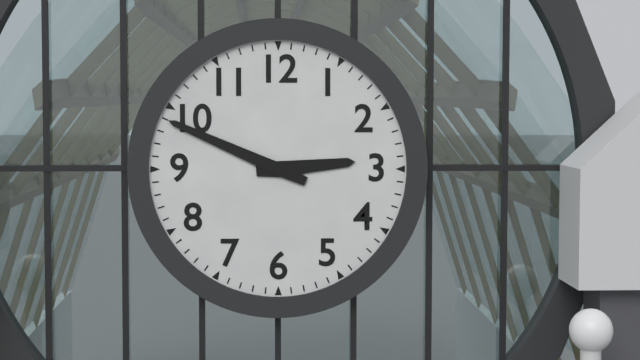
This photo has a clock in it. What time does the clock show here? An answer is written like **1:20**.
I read **2:49**
